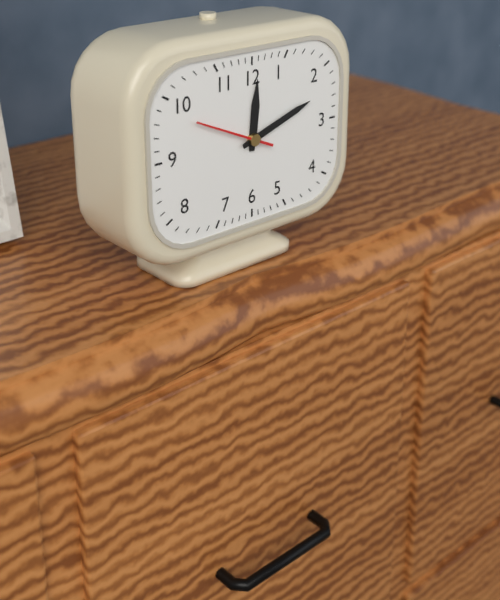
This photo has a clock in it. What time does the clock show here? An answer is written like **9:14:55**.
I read **12:12:49**
